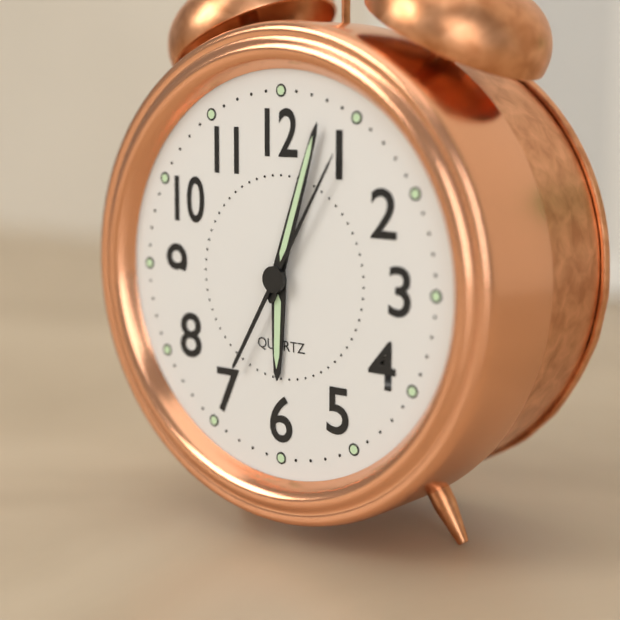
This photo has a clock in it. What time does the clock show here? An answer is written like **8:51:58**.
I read **6:03:05**
